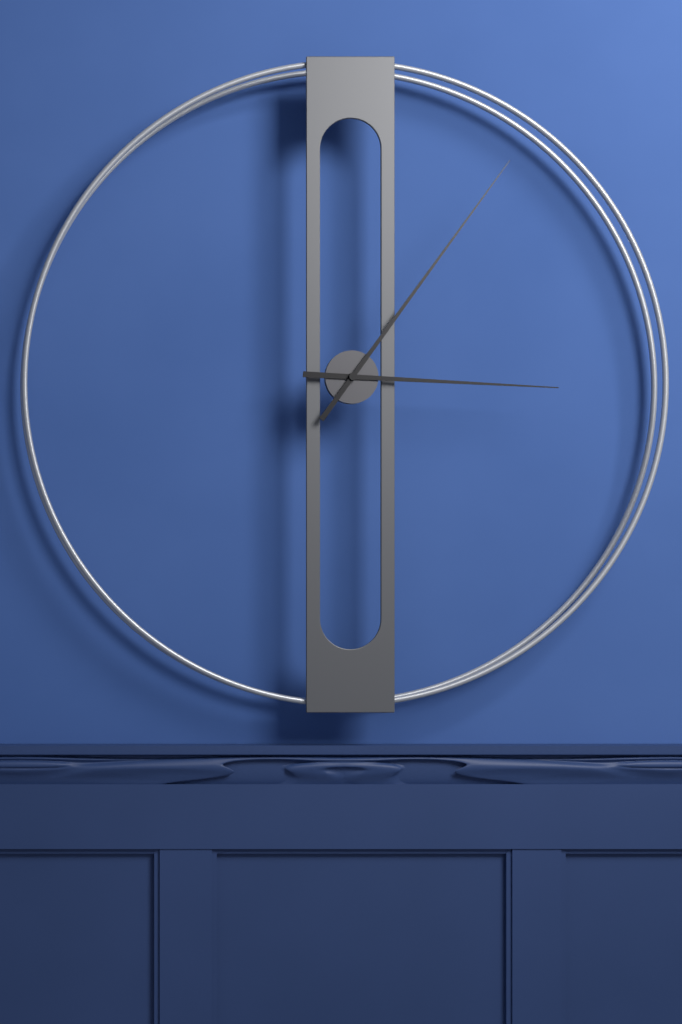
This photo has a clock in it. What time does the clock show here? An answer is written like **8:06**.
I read **3:06**
